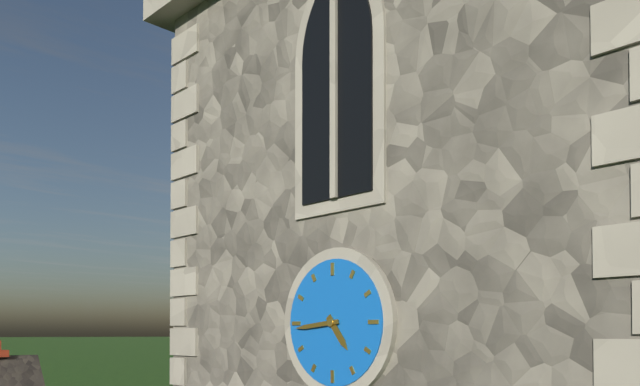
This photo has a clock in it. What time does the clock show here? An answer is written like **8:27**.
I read **4:44**
